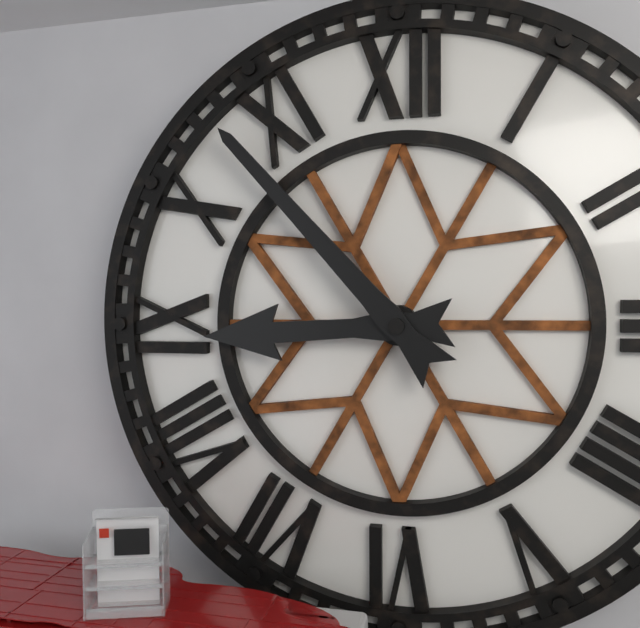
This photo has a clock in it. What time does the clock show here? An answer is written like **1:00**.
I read **8:53**
